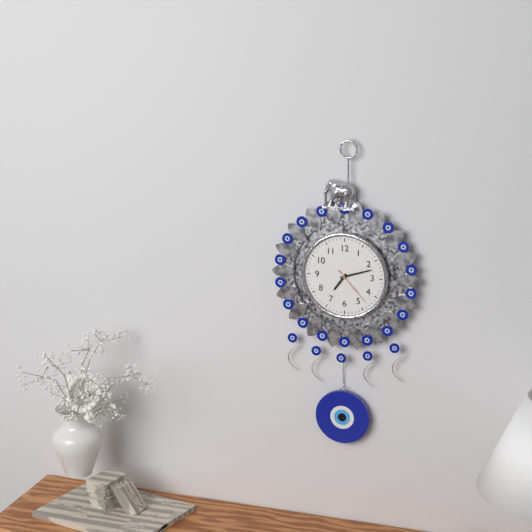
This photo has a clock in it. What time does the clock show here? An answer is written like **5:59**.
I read **7:12**
